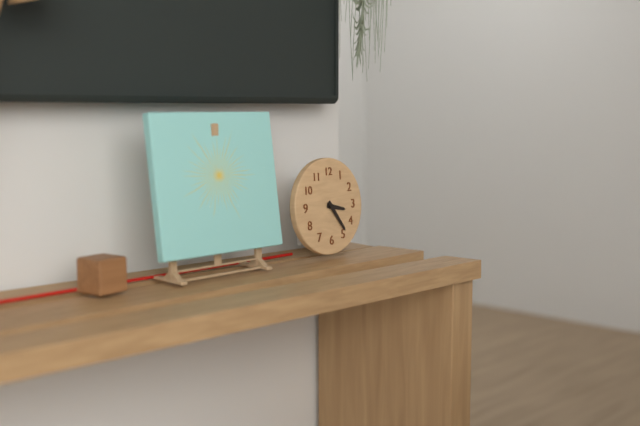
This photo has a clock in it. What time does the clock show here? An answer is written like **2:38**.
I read **3:24**
